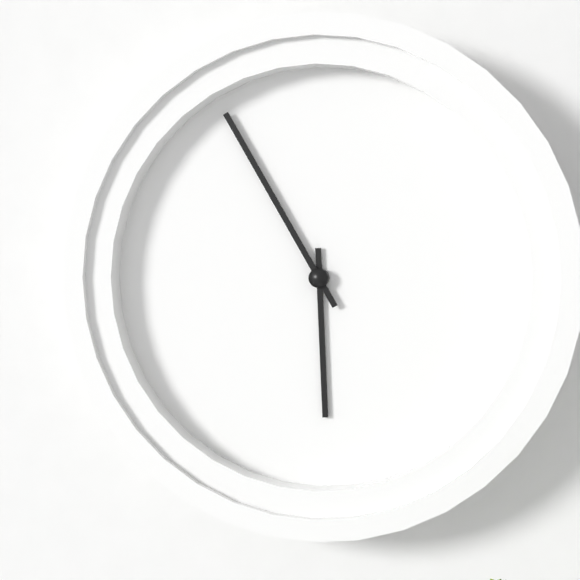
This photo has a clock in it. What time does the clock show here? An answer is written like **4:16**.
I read **5:55**
